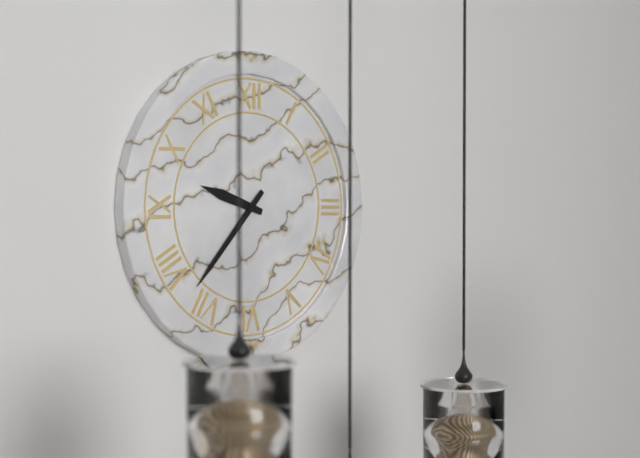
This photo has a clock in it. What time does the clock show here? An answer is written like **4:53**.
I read **9:37**
